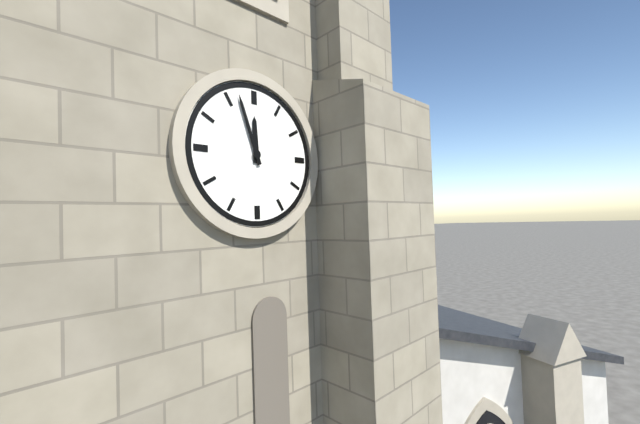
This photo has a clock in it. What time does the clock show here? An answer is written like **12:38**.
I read **11:57**
